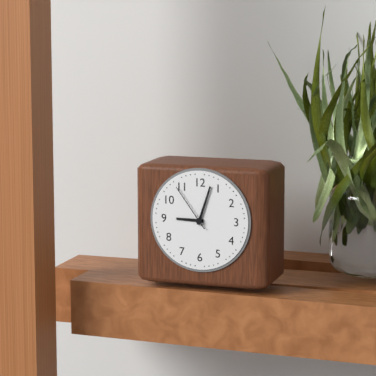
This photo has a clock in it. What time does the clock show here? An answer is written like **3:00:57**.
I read **9:03:54**
